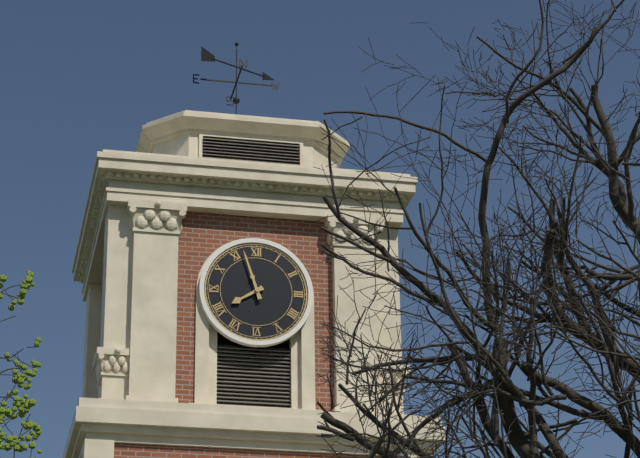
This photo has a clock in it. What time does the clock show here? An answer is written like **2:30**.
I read **7:57**
